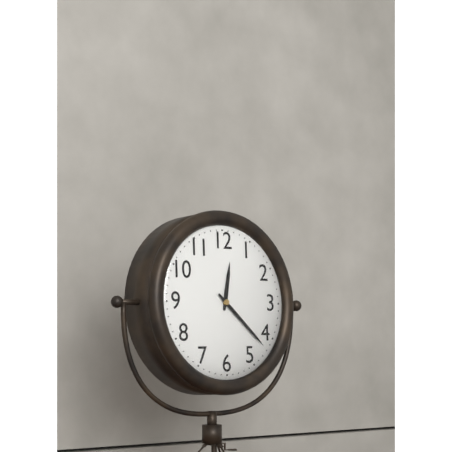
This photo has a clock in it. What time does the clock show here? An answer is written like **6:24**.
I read **12:22**
